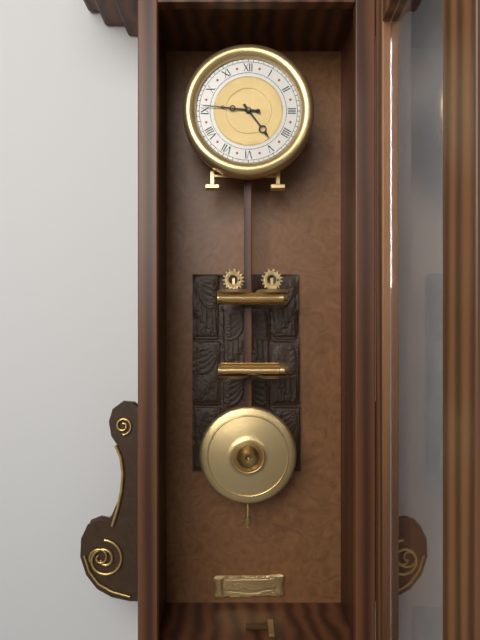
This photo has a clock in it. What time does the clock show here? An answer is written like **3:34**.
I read **4:46**
